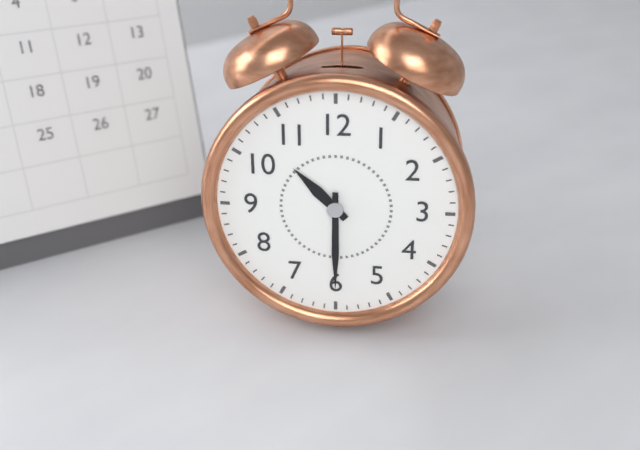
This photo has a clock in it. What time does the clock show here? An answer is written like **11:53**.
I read **10:30**
